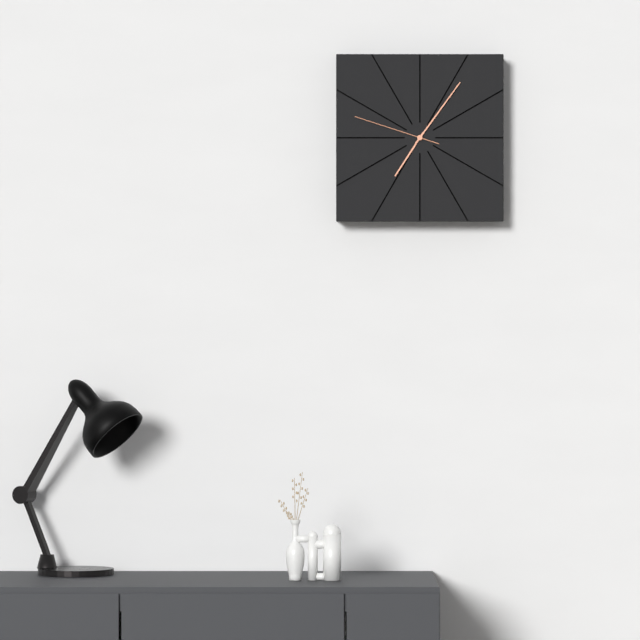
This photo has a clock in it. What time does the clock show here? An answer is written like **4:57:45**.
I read **7:06:48**
